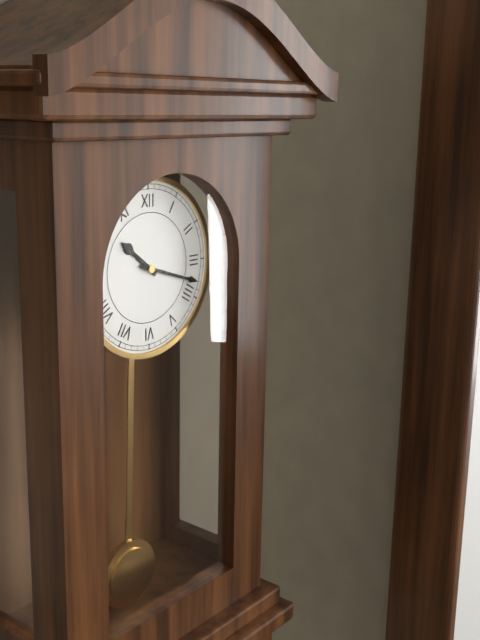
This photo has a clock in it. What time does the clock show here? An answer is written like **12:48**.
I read **10:18**
